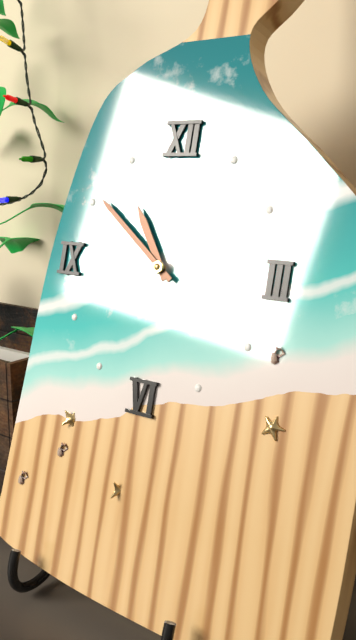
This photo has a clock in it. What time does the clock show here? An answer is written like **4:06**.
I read **10:51**
